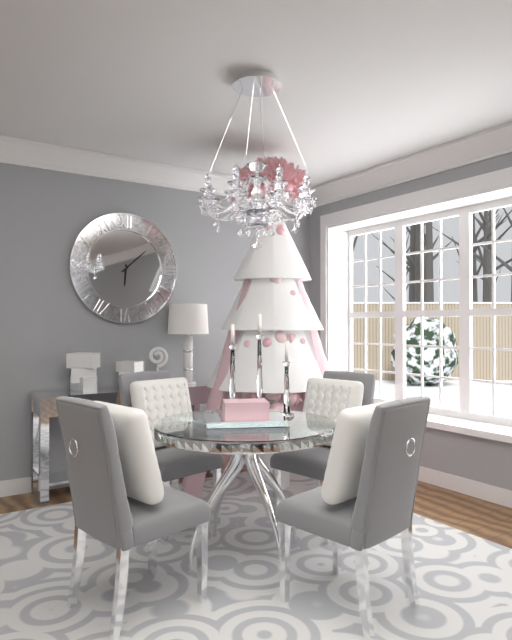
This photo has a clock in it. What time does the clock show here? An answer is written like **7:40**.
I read **6:08**
